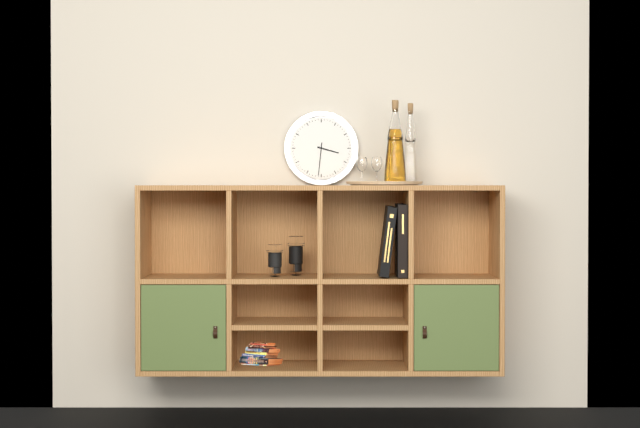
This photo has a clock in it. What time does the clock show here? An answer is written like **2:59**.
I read **3:31**
